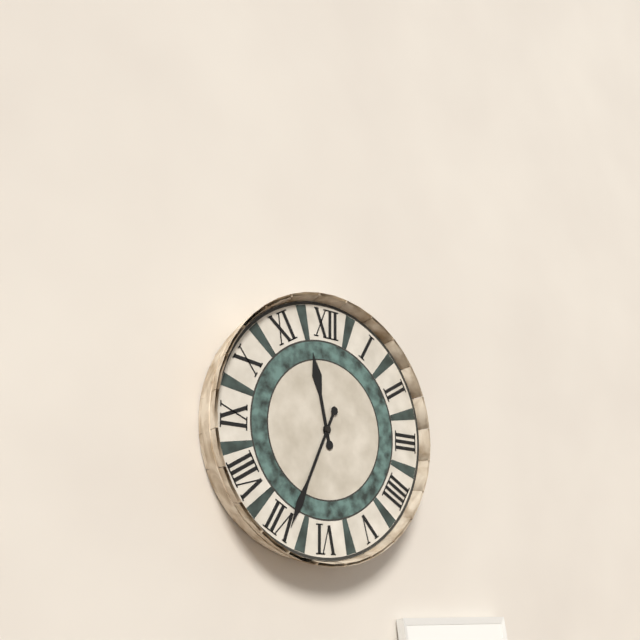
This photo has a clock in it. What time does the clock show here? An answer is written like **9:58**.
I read **11:34**
